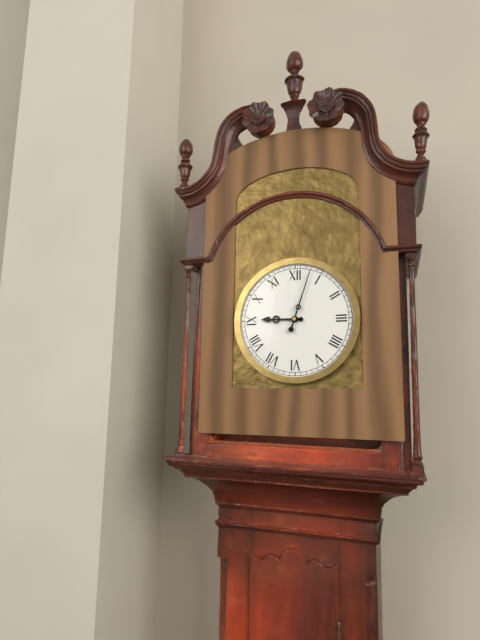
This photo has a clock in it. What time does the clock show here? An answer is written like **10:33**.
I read **9:03**
